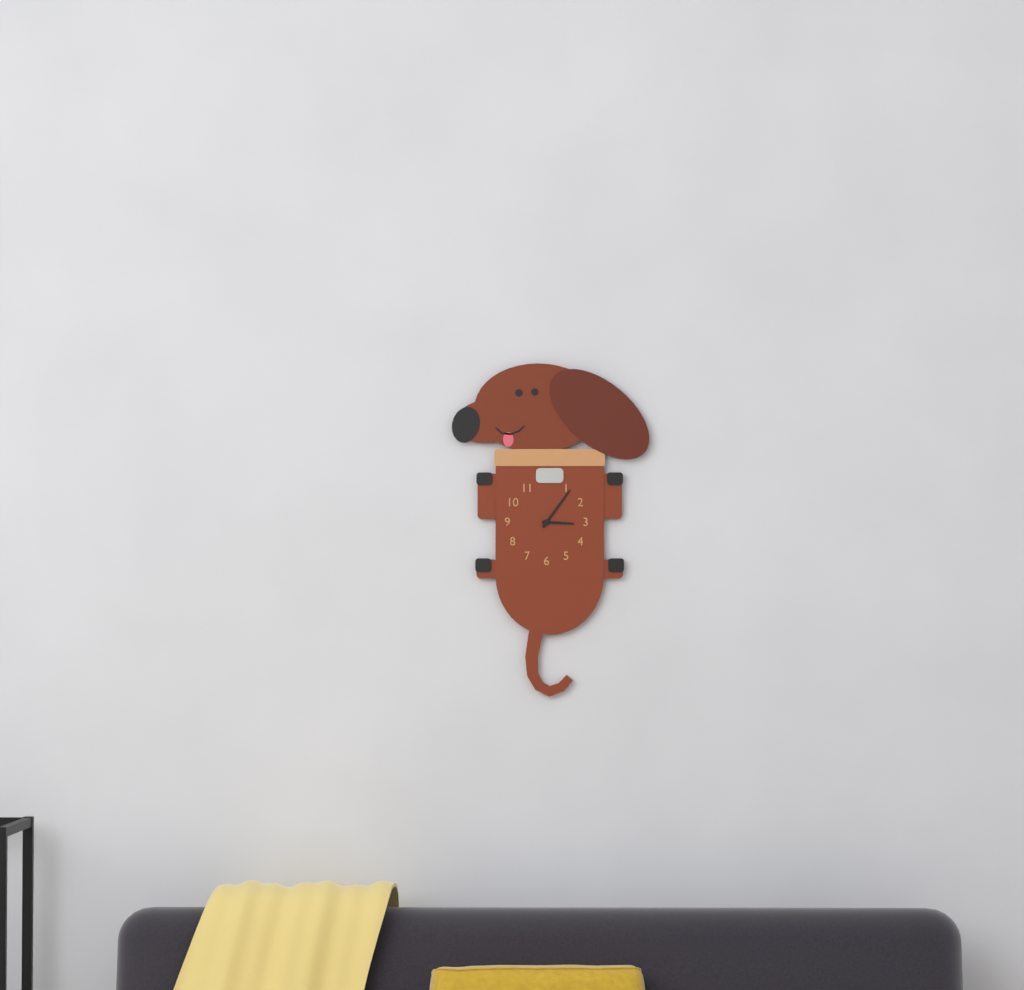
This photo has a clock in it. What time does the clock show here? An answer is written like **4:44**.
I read **3:06**
